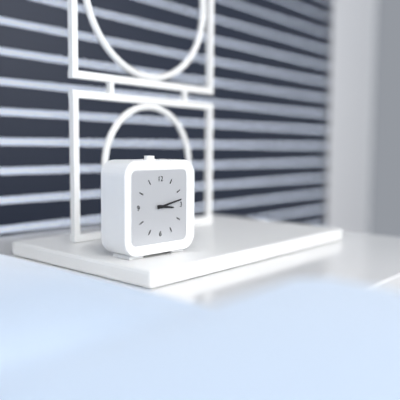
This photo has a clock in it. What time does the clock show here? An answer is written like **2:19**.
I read **3:13**
